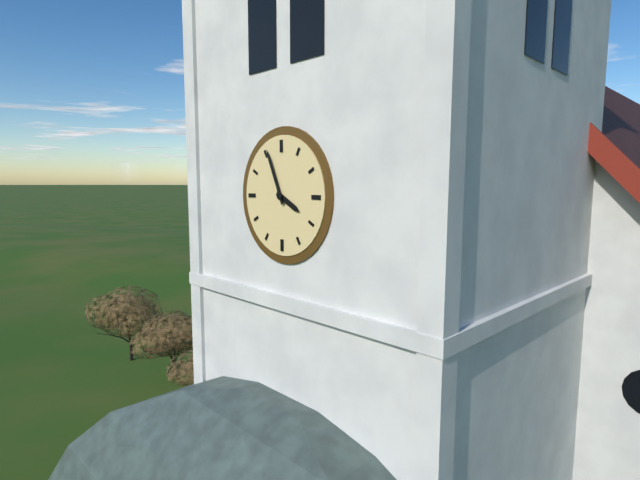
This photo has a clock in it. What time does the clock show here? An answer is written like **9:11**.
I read **3:56**
